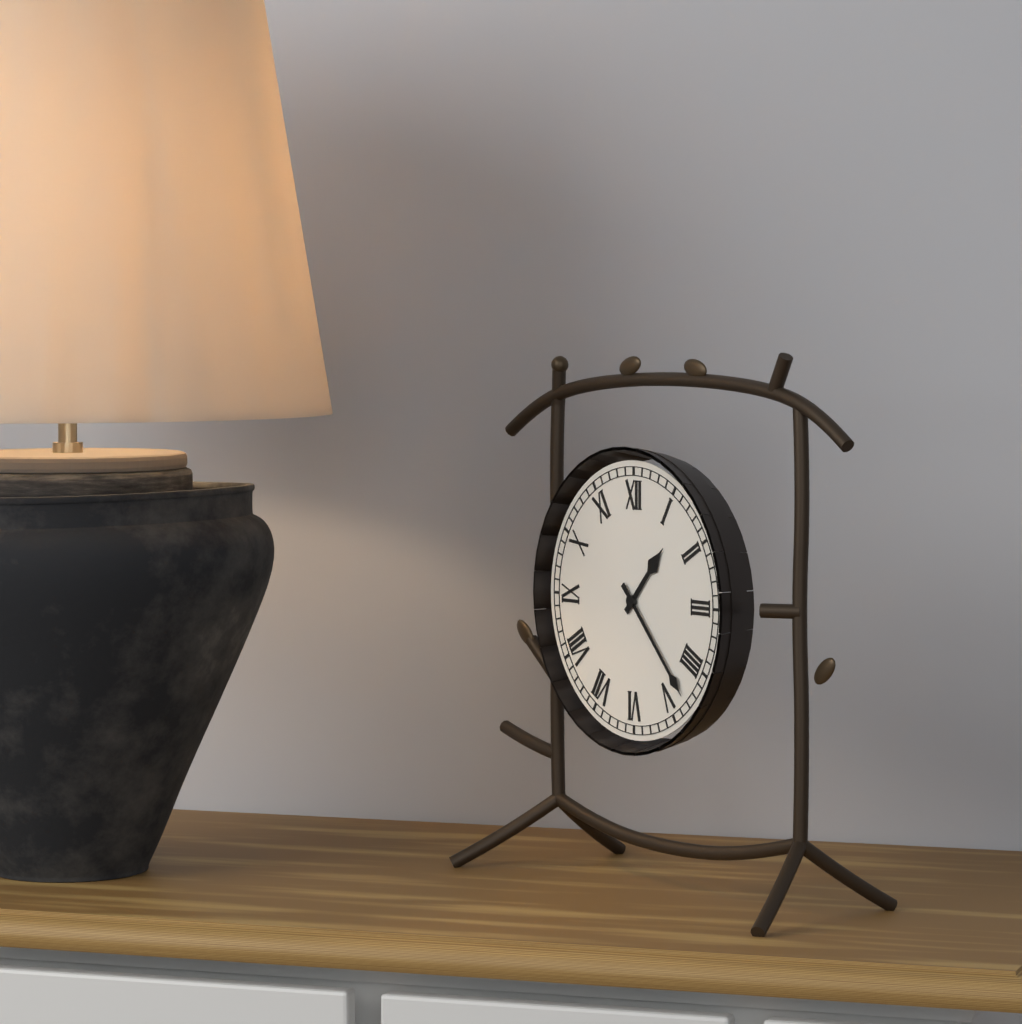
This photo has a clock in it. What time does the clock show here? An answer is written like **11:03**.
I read **1:23**
